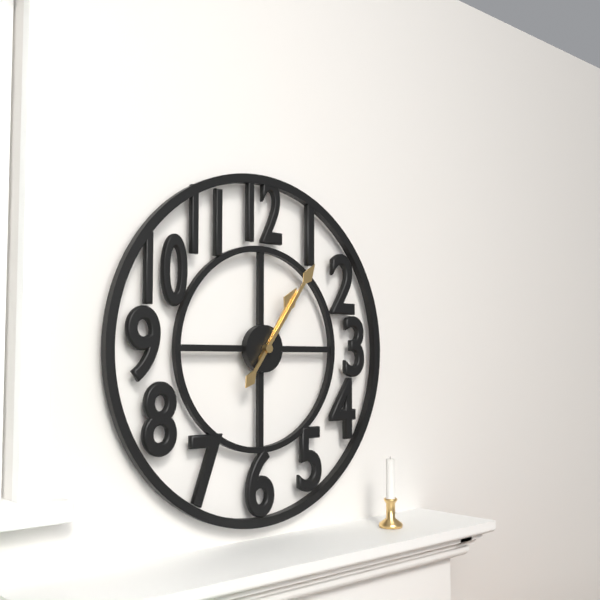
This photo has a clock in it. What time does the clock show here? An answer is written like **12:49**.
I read **1:06**
